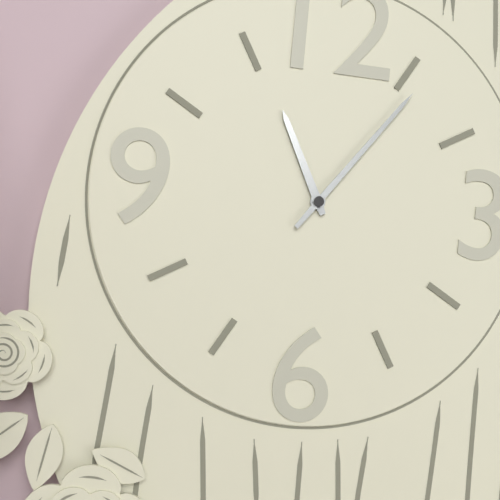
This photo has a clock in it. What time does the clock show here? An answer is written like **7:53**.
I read **11:06**
